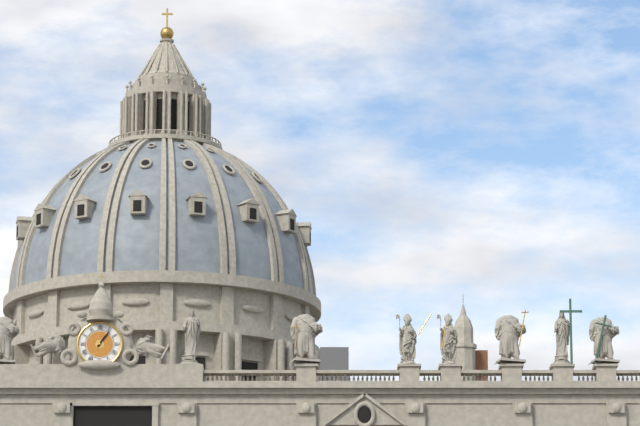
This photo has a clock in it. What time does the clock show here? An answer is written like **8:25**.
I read **1:06**
